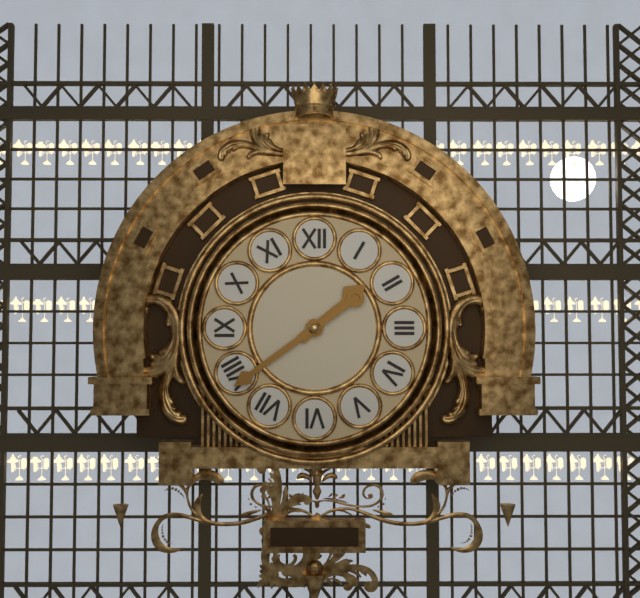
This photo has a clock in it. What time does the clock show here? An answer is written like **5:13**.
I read **1:39**
